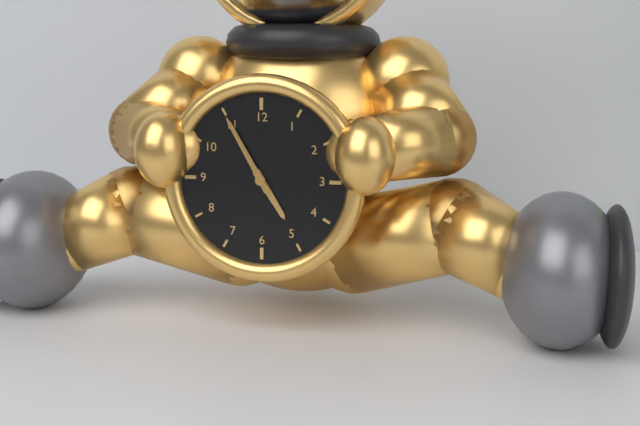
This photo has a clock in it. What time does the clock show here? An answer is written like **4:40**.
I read **4:55**
